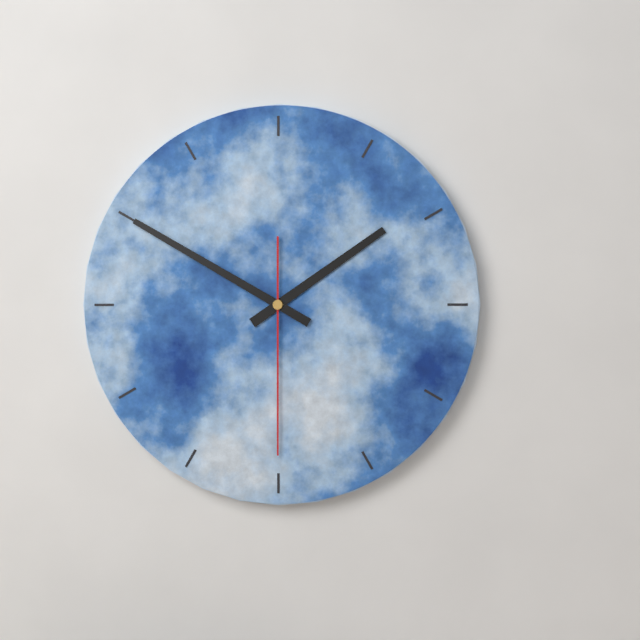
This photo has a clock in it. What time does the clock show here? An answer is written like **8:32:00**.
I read **1:50:30**
